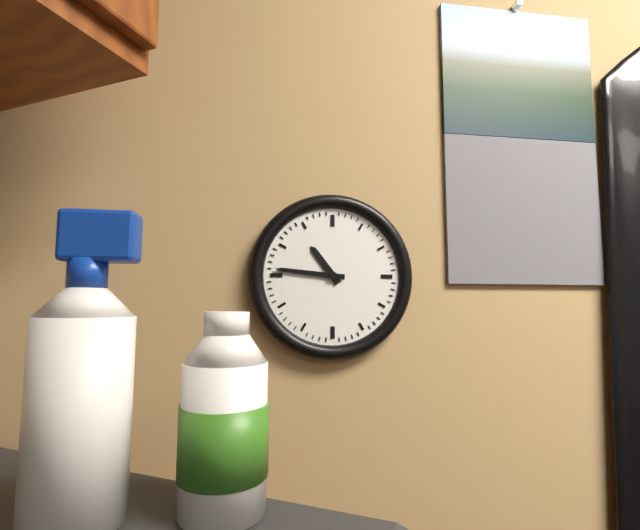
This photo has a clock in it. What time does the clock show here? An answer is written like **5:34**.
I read **10:46**
